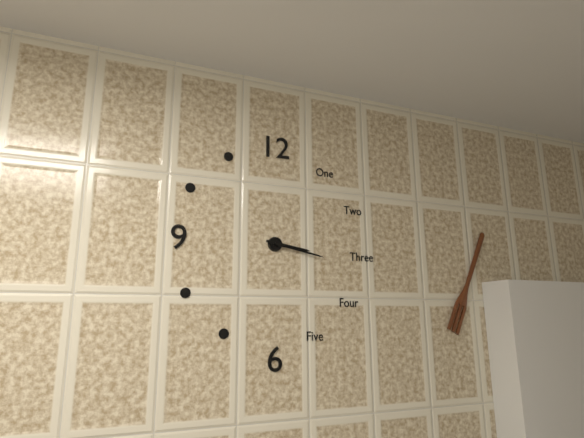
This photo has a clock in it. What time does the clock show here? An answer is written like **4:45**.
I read **3:17**
